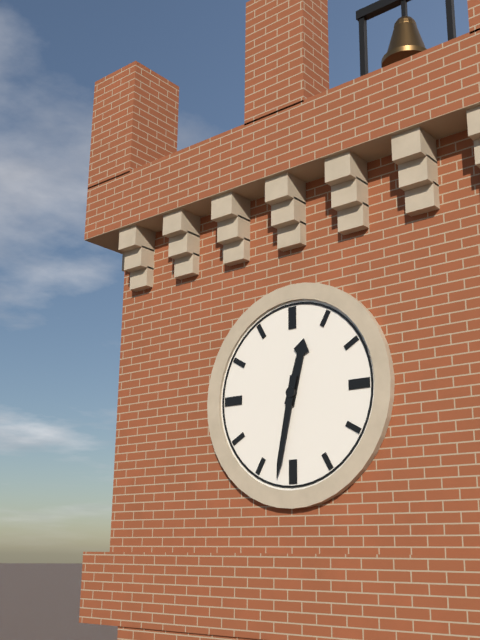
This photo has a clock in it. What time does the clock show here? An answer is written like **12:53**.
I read **12:32**
